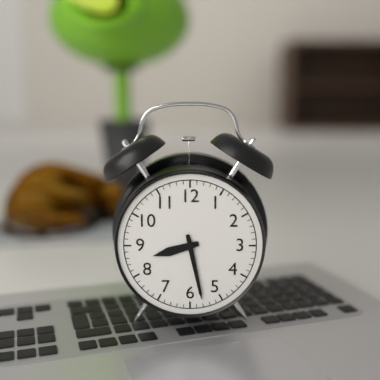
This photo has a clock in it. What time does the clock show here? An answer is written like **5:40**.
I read **8:28**
